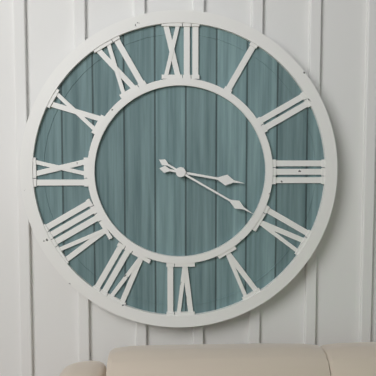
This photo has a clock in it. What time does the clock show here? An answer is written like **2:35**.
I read **3:20**
